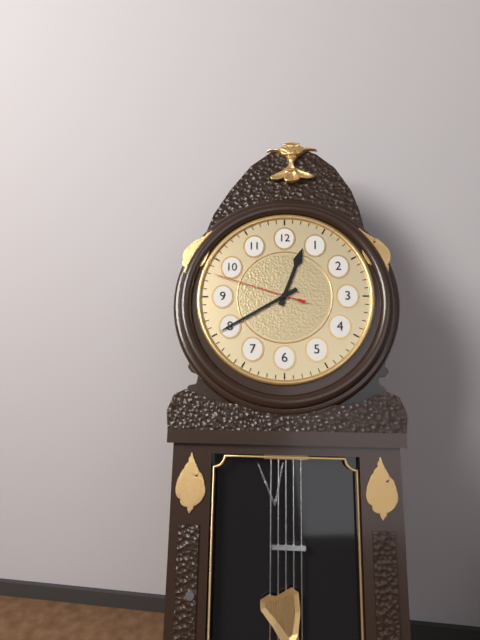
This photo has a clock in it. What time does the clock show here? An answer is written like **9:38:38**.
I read **12:40:48**
